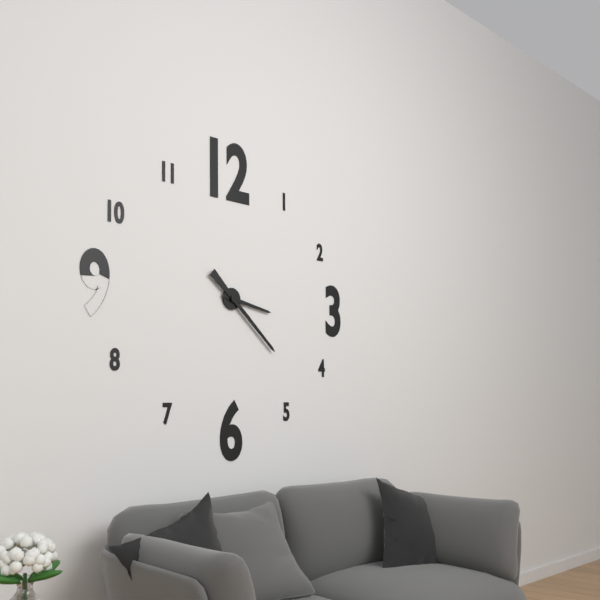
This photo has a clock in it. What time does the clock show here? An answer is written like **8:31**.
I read **3:22**
